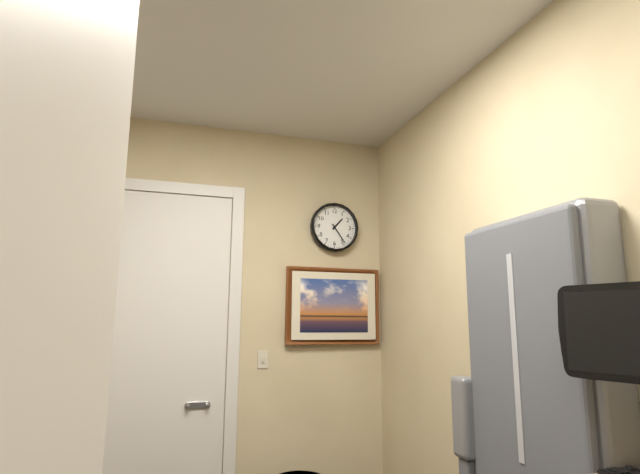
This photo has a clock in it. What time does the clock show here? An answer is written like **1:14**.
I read **1:24**
